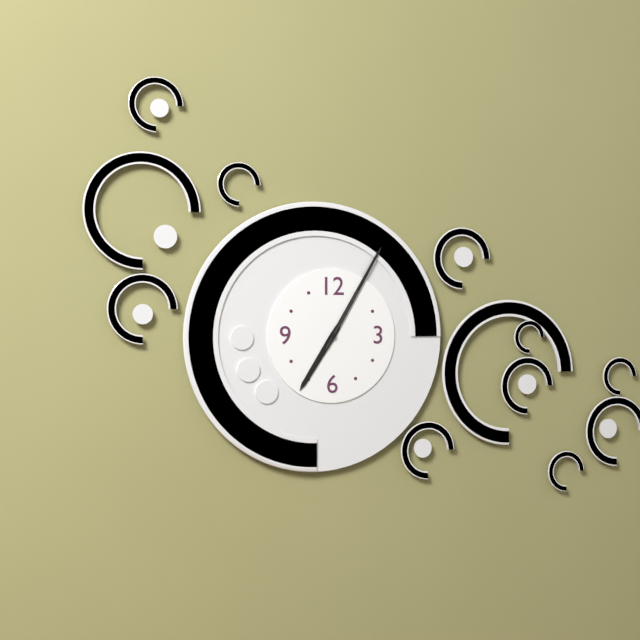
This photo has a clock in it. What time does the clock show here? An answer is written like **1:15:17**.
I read **7:05:05**
